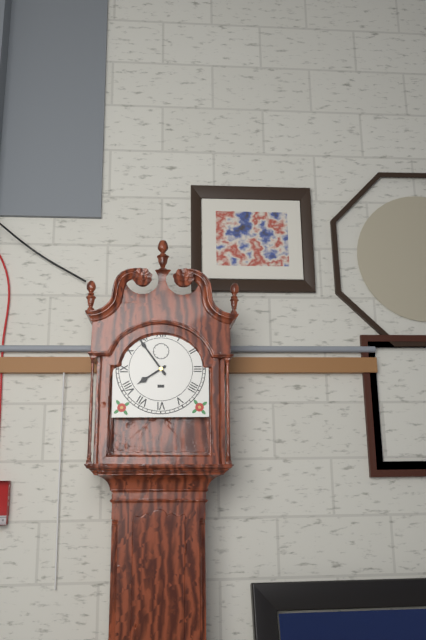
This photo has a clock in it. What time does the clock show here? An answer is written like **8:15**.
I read **7:54**
